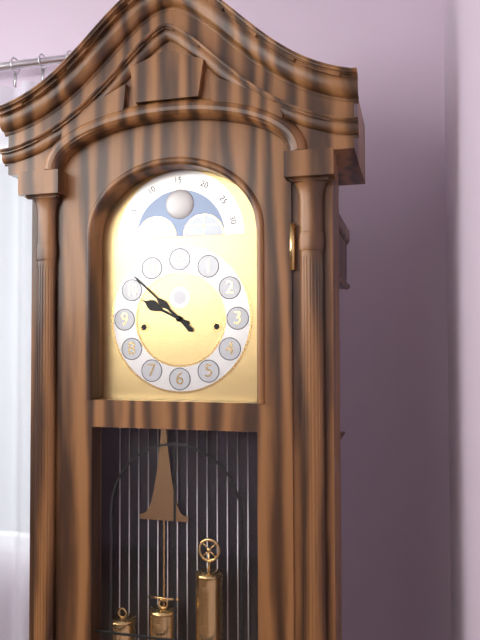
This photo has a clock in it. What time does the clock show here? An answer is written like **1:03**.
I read **9:52**
